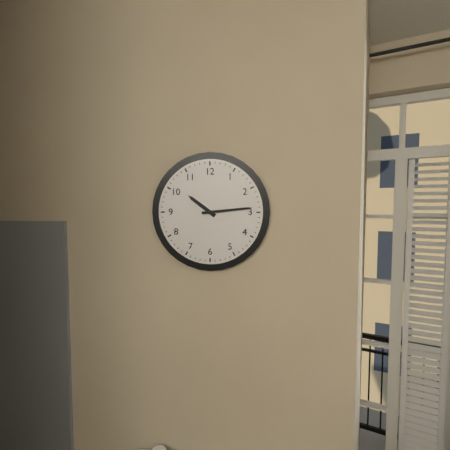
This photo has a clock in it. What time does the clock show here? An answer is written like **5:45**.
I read **10:14**
